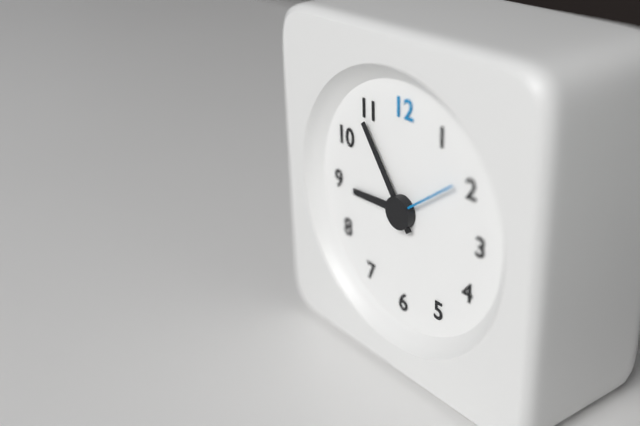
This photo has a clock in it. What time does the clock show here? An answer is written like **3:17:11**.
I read **8:54:09**
